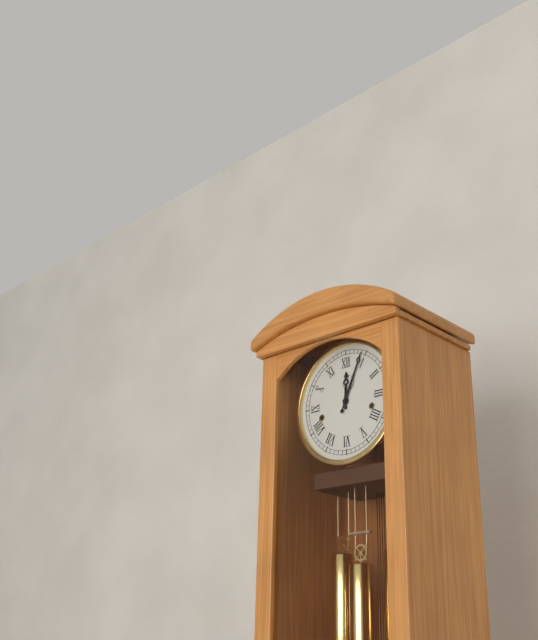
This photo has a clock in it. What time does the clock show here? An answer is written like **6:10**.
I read **12:04**
